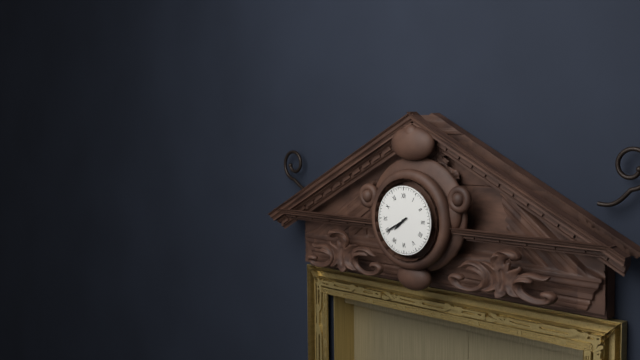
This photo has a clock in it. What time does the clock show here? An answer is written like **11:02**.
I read **7:40**
